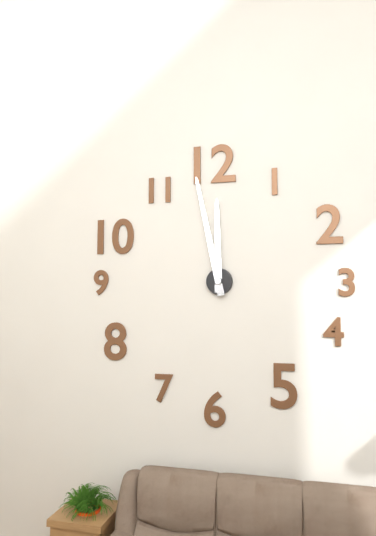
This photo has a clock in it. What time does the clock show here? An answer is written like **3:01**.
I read **11:58**
